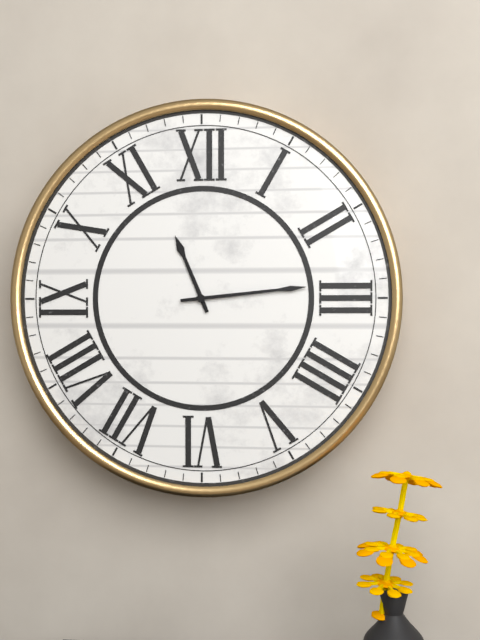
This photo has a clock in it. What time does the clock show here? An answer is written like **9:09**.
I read **11:14**
